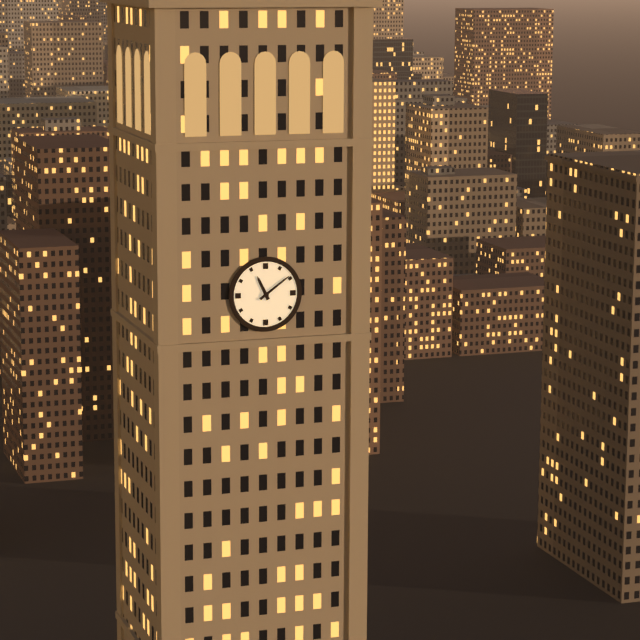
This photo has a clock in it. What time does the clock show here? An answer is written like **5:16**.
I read **11:09**
